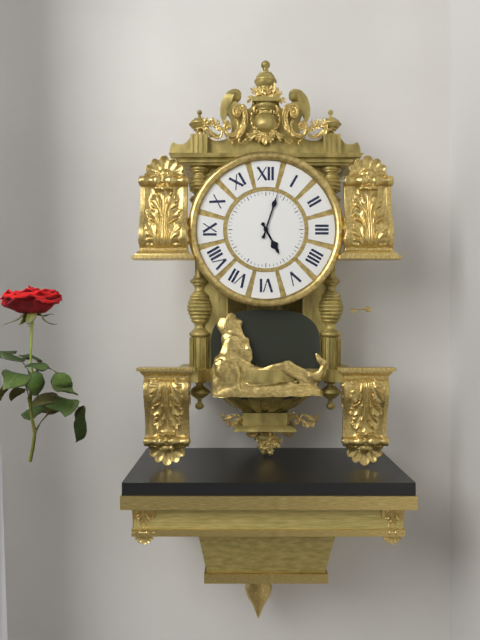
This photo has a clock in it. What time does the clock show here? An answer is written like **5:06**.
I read **5:03**
